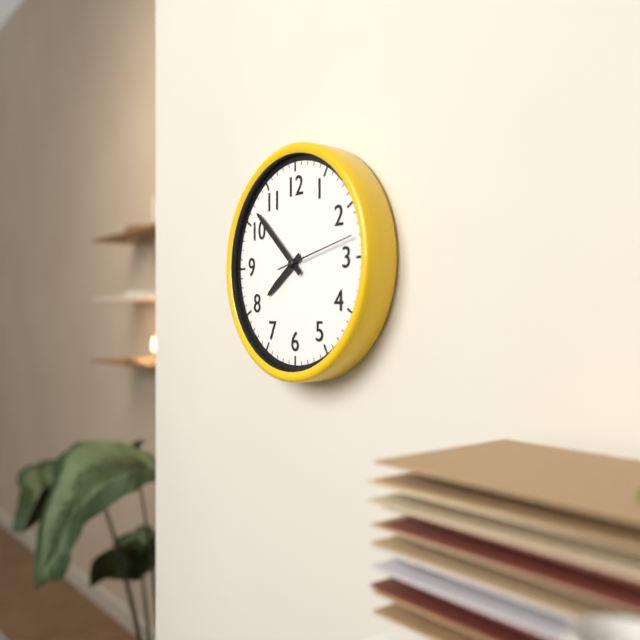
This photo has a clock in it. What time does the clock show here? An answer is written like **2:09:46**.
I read **7:52:13**
